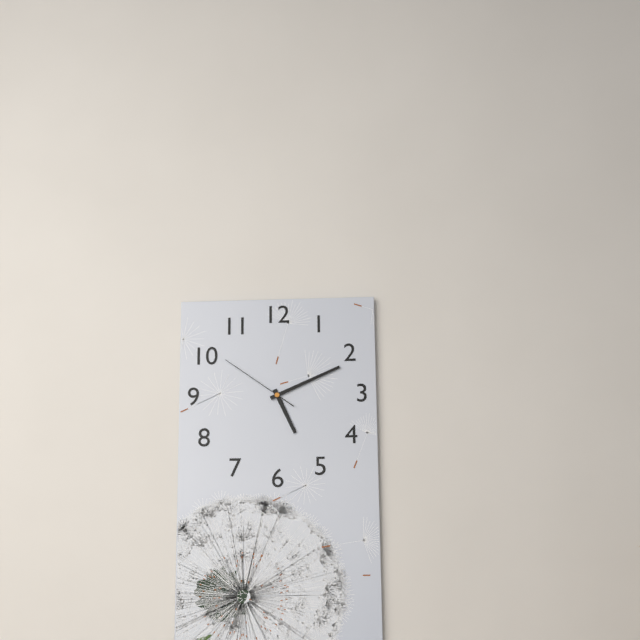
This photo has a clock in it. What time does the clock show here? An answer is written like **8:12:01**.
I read **5:11:51**
